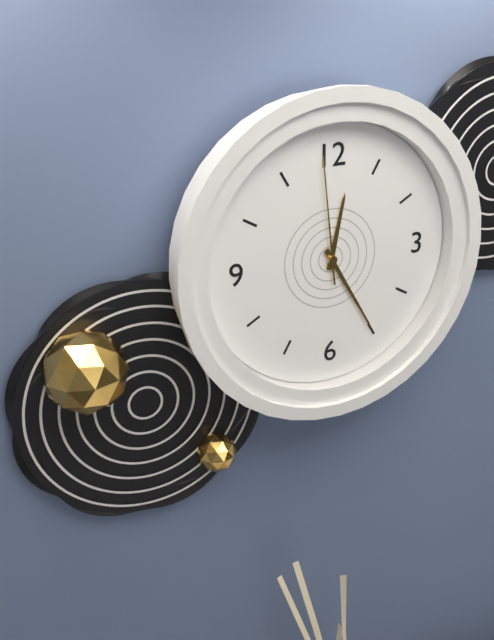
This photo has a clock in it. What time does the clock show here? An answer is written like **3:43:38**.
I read **12:25:59**
